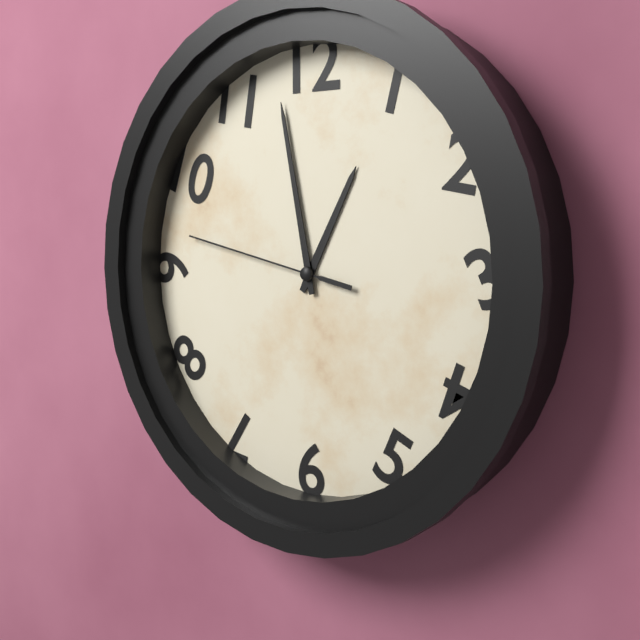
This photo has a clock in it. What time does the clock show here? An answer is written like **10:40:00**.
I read **12:58:47**
